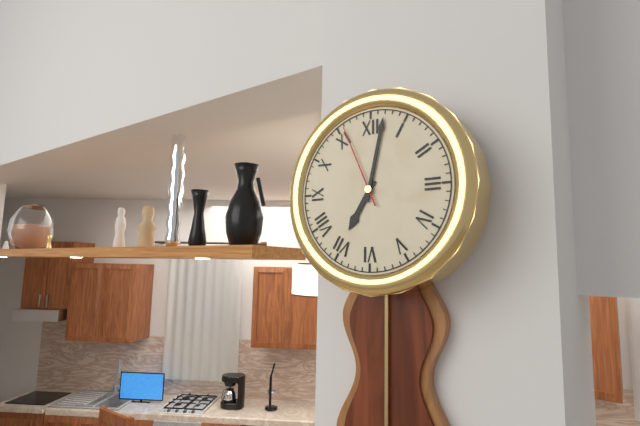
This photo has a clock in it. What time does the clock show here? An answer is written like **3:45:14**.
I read **7:02:56**
